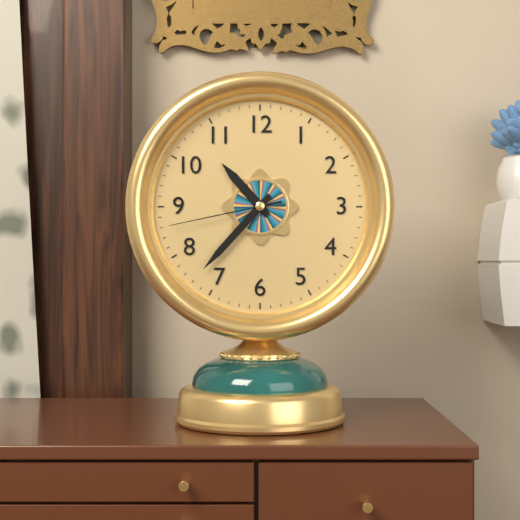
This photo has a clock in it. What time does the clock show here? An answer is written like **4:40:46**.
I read **10:37:43**
